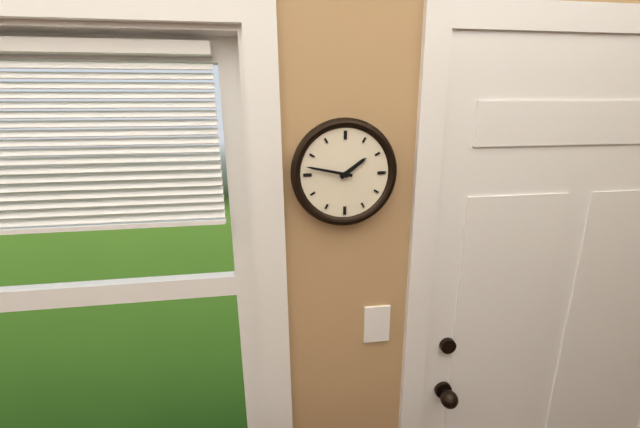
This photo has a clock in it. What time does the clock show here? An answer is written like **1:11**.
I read **1:47**
